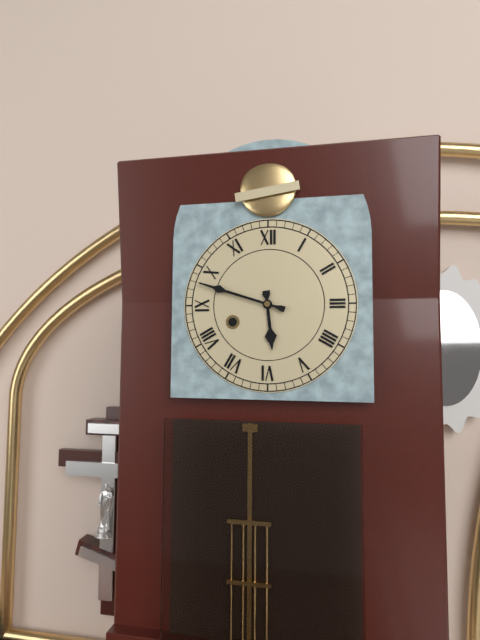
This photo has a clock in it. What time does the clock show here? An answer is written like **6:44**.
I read **5:48**
